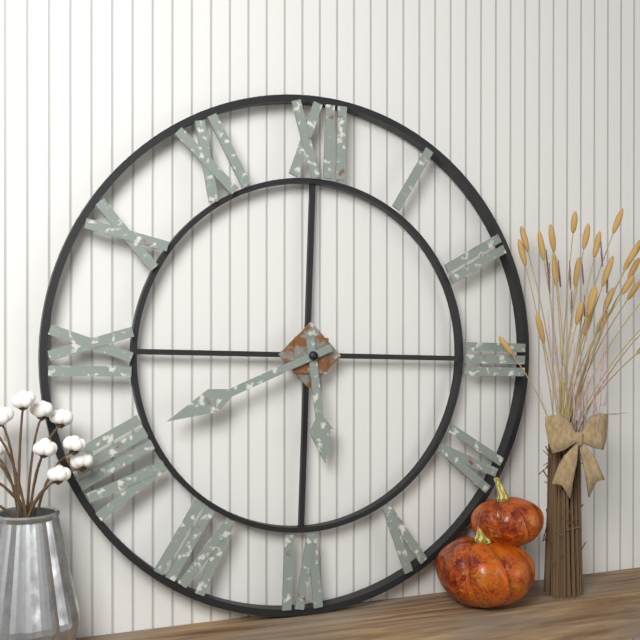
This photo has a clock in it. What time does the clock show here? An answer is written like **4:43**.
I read **5:41**
